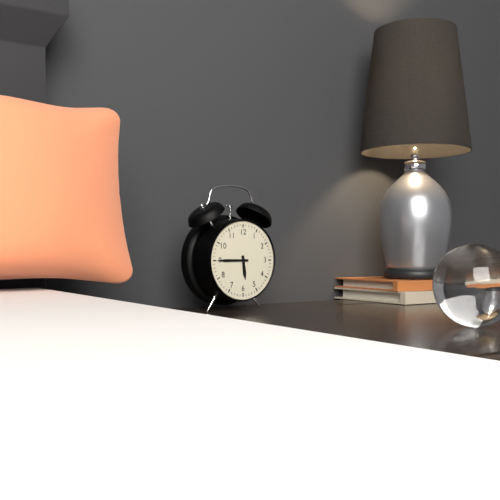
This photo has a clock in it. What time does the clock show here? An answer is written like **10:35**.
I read **5:45**
